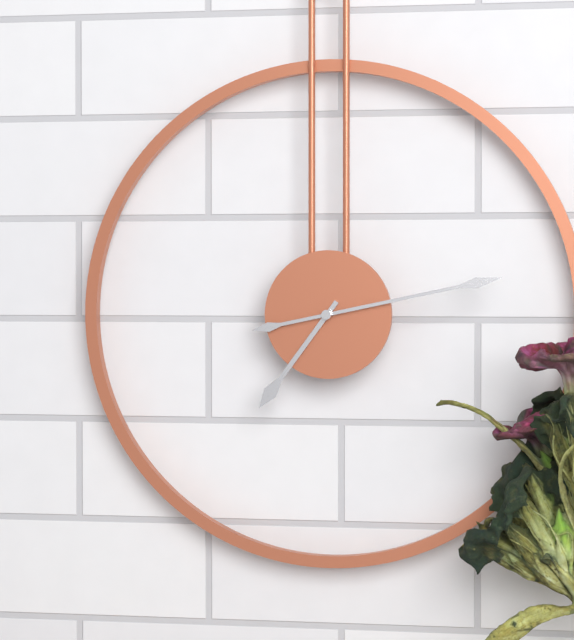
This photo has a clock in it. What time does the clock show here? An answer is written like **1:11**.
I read **7:13**
